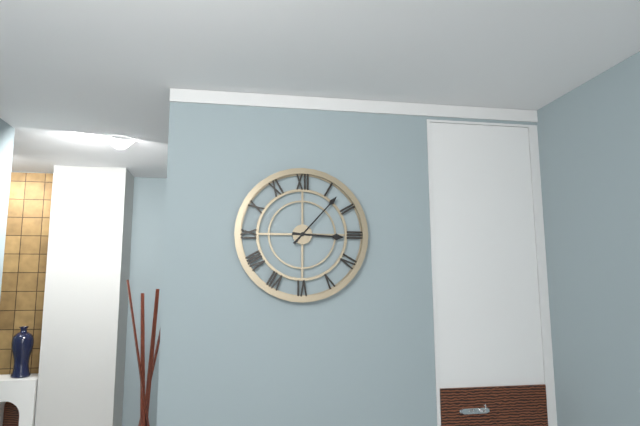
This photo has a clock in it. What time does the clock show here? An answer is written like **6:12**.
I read **3:07**
